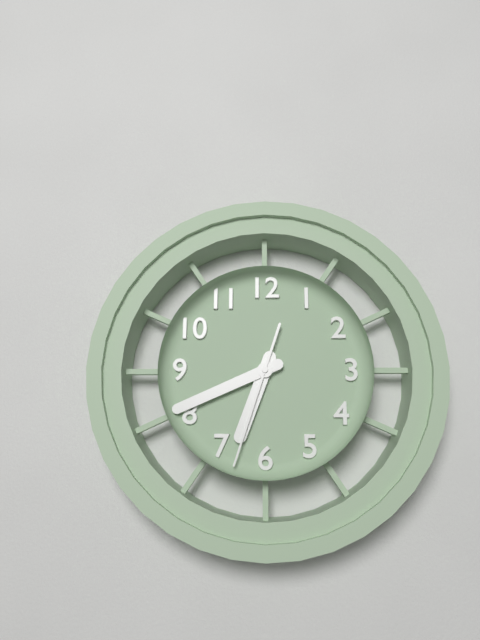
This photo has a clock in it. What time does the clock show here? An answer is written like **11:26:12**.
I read **6:41:33**
